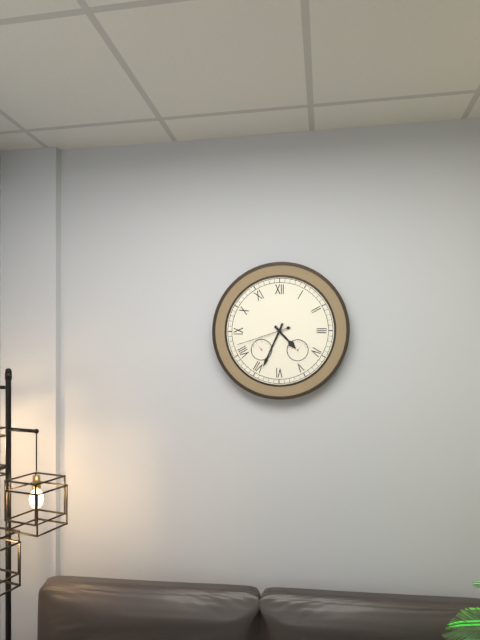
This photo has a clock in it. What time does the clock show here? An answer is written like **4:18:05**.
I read **4:34:42**
